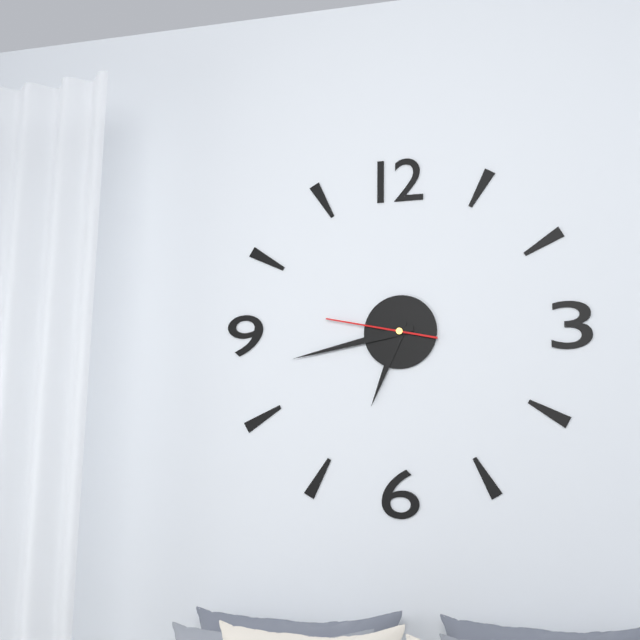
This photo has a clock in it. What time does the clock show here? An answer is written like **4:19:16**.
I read **6:43:47**
